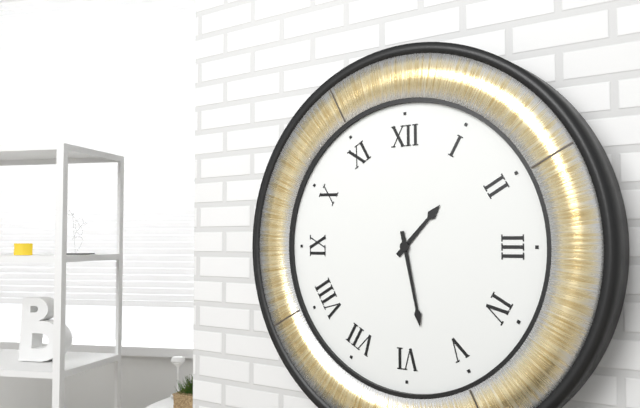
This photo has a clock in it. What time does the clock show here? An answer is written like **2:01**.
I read **1:28**
